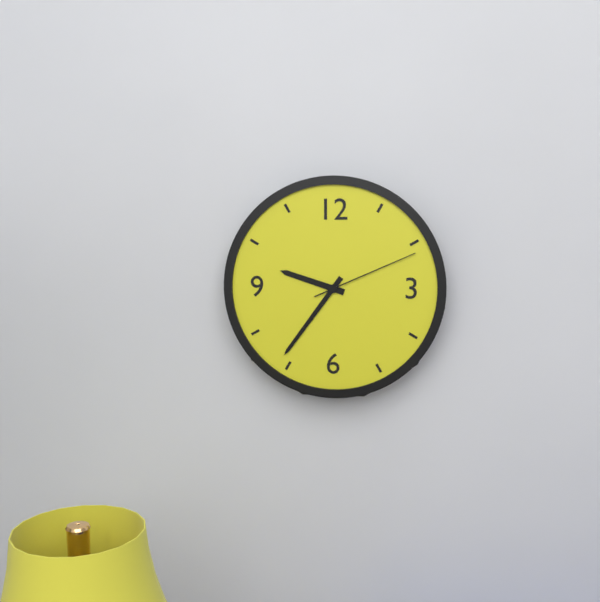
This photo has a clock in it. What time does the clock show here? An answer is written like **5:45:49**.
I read **9:36:11**
